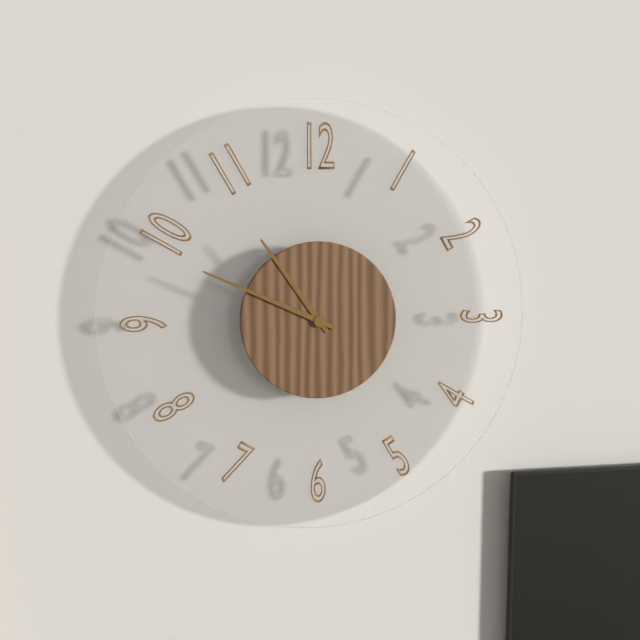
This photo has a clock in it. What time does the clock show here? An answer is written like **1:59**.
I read **10:49**
